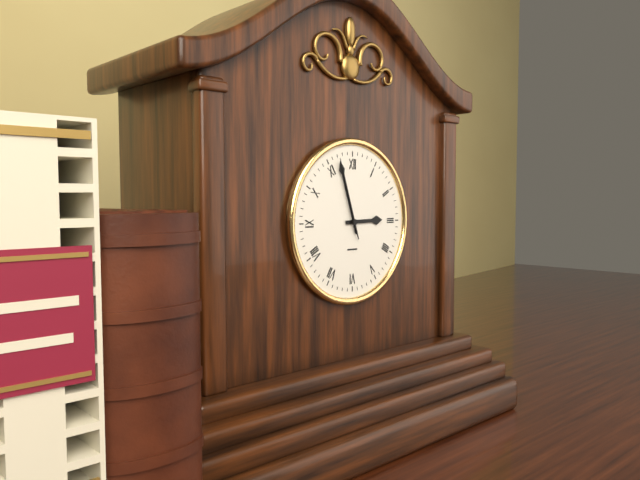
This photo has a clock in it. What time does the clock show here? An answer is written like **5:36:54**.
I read **2:57:57**
